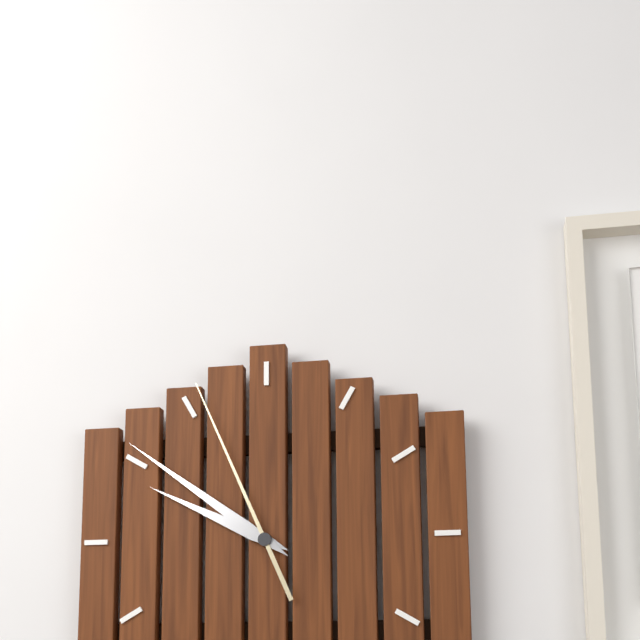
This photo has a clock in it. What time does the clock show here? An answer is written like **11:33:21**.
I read **9:51:56**
